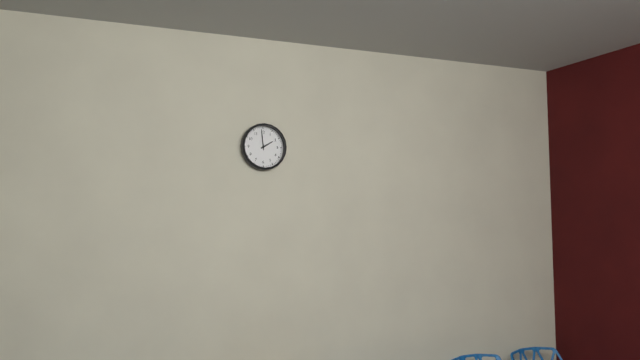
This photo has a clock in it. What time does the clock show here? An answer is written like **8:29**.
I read **1:59**
